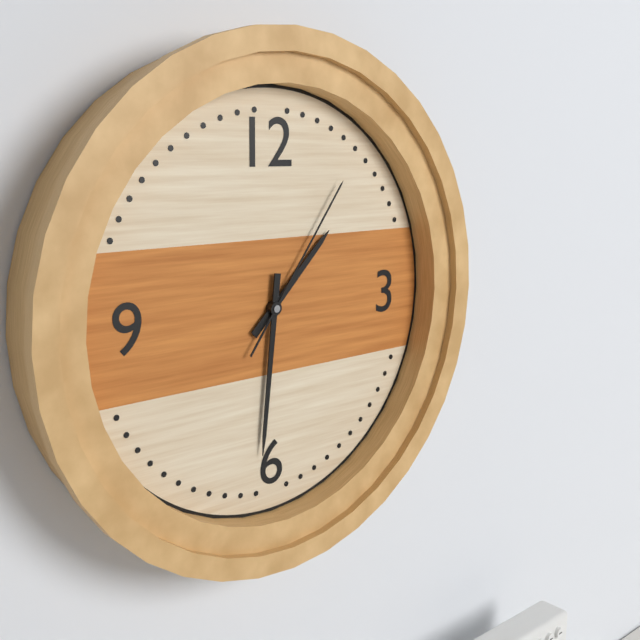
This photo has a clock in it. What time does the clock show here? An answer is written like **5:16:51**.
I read **1:31:06**
